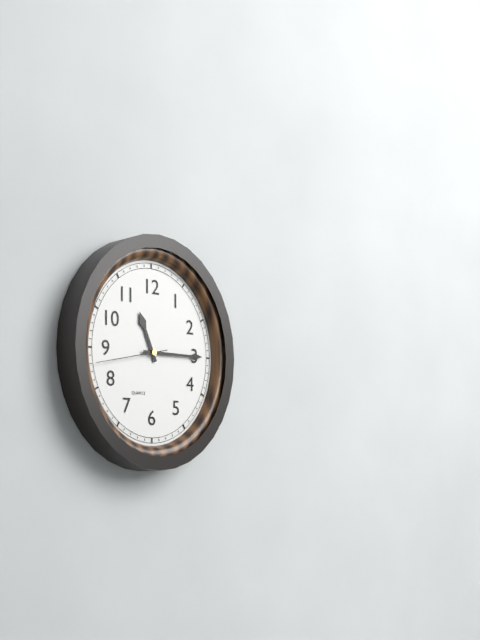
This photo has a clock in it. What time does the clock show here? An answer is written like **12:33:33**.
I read **11:15:43**
